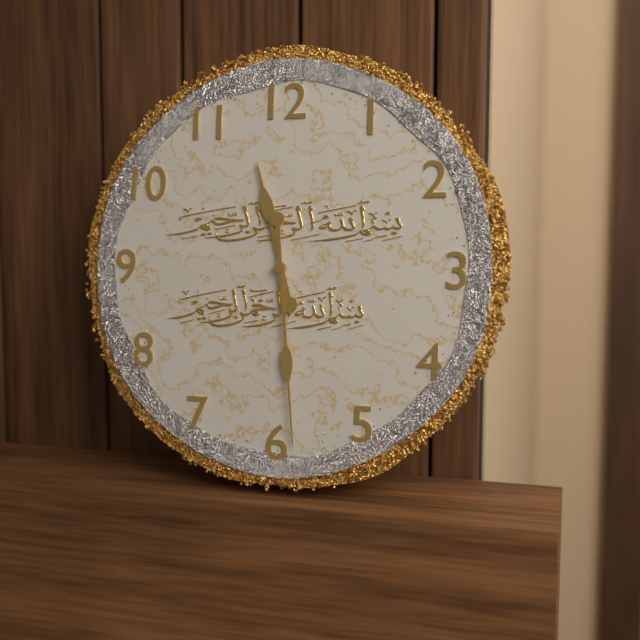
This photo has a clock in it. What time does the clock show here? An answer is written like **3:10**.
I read **11:29**
